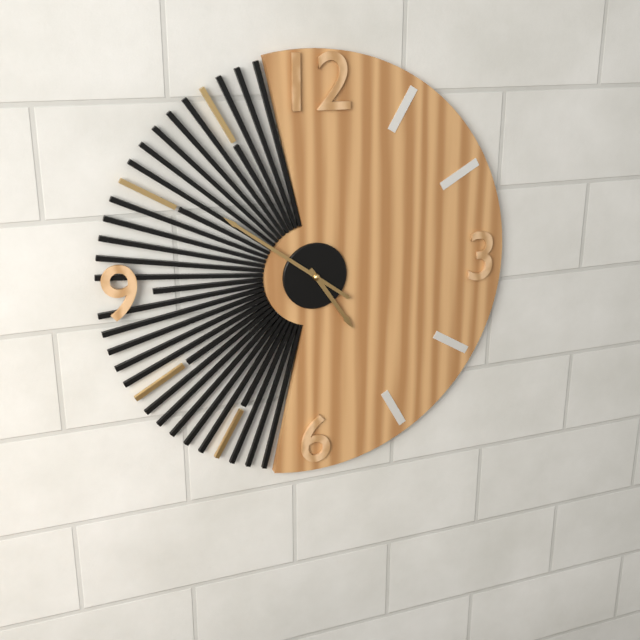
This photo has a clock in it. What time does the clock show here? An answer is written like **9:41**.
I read **4:51**
